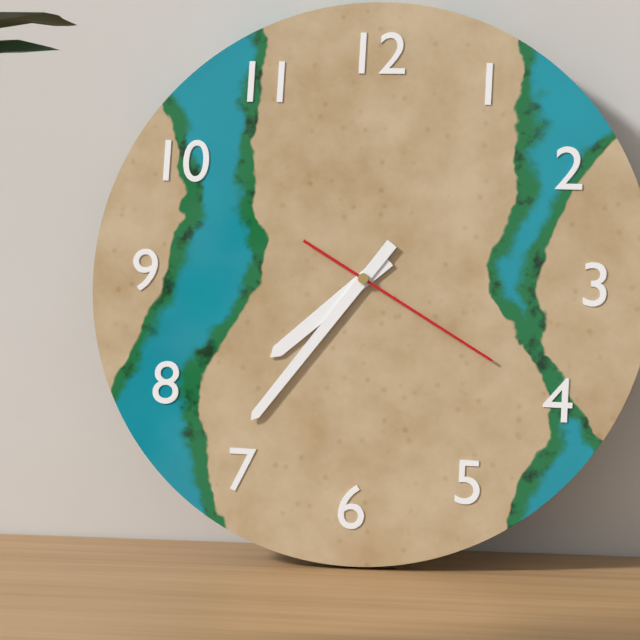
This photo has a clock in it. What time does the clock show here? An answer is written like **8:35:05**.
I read **7:36:20**
